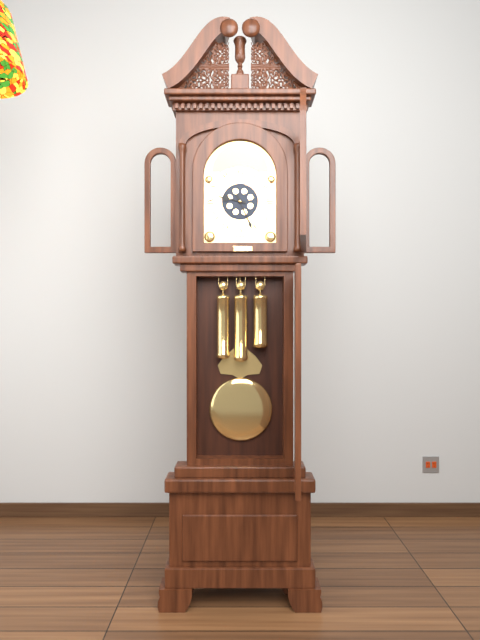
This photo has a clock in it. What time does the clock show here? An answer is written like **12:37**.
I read **9:26**
